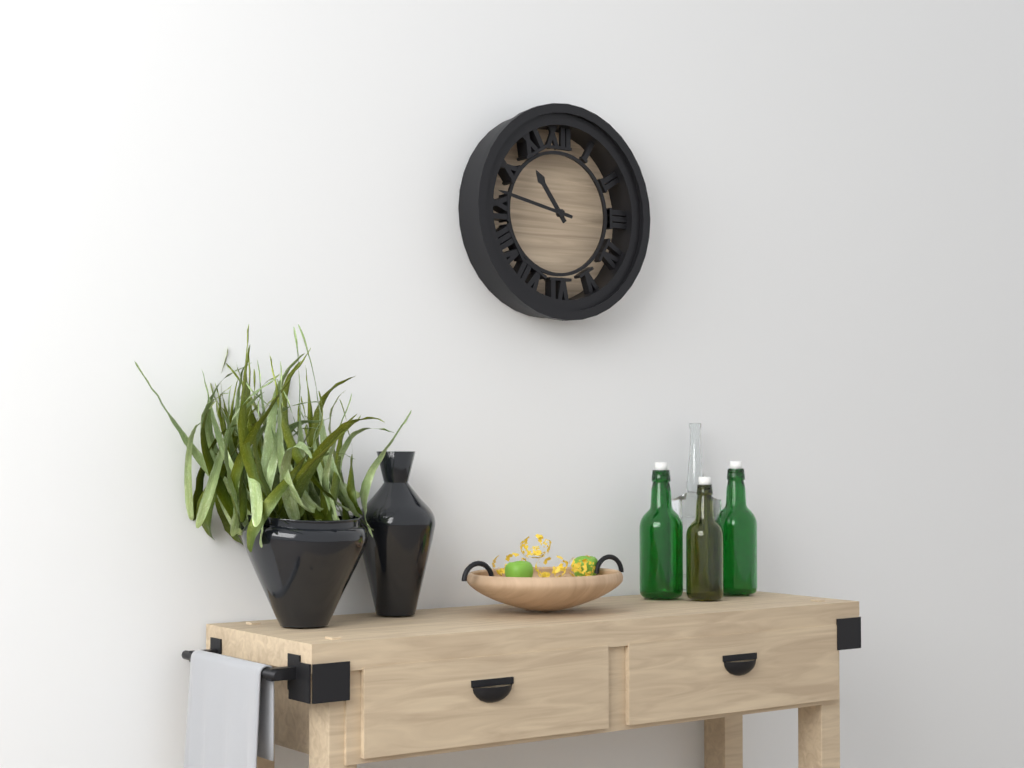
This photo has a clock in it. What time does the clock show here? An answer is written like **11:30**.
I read **10:47**
